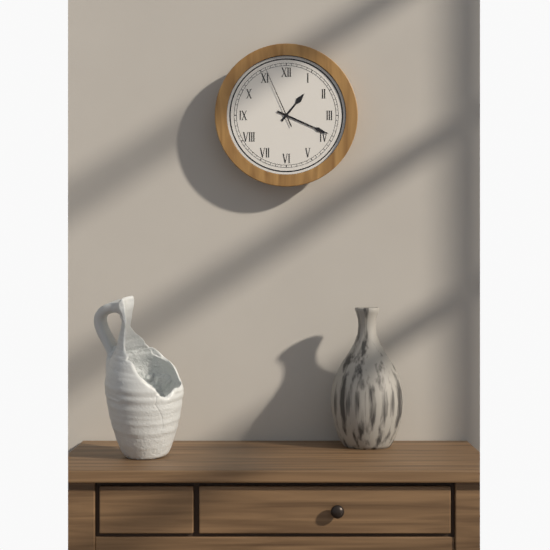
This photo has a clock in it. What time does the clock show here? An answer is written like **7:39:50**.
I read **1:19:56**
